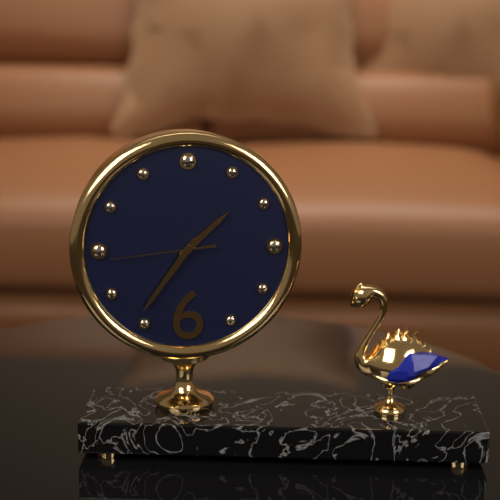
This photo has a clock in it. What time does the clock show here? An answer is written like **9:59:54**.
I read **1:36:44**
